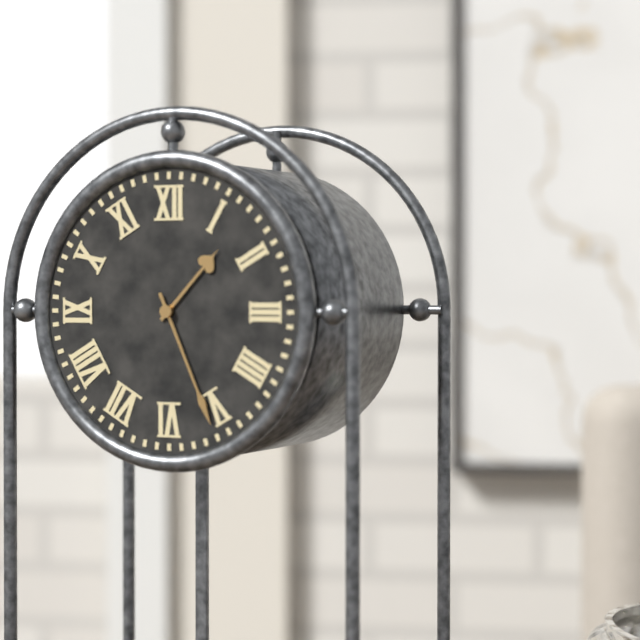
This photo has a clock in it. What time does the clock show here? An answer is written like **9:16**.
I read **1:26**
